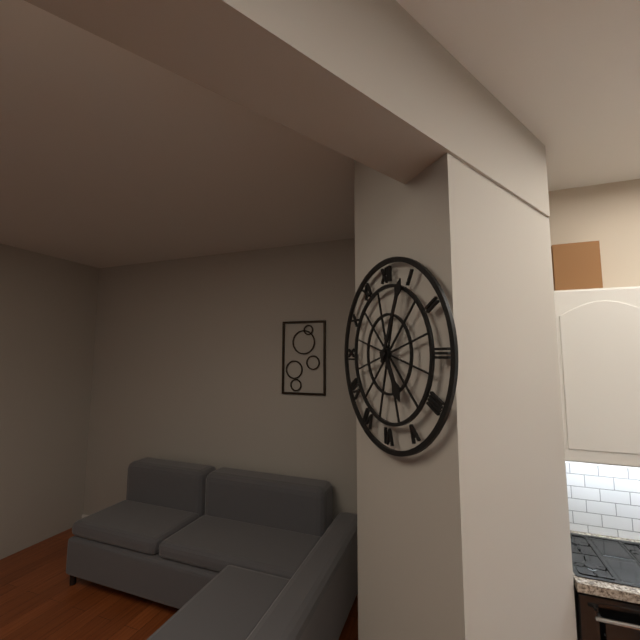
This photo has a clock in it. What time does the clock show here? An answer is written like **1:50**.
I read **5:04**
